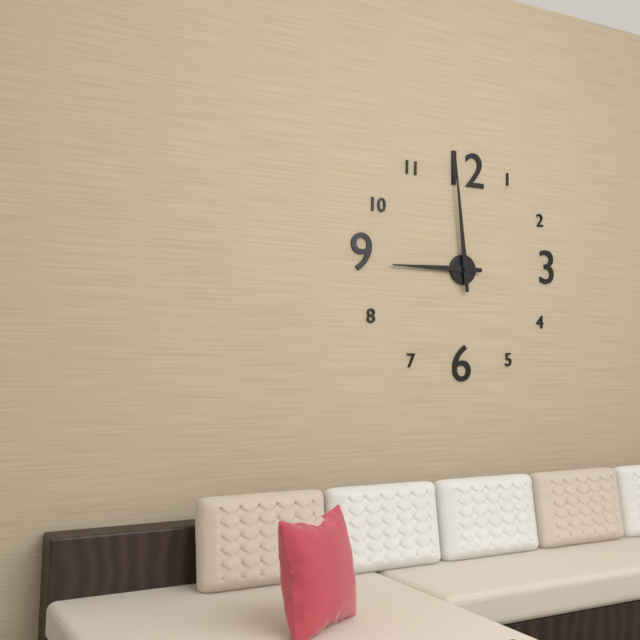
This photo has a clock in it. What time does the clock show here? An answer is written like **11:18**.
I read **8:59**
